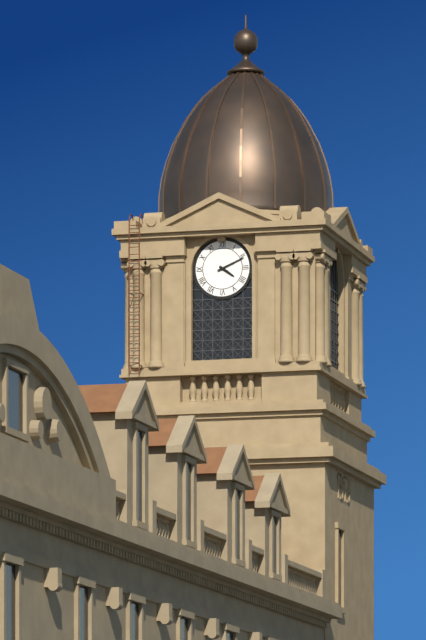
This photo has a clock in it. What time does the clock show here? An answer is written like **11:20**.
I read **4:11**
